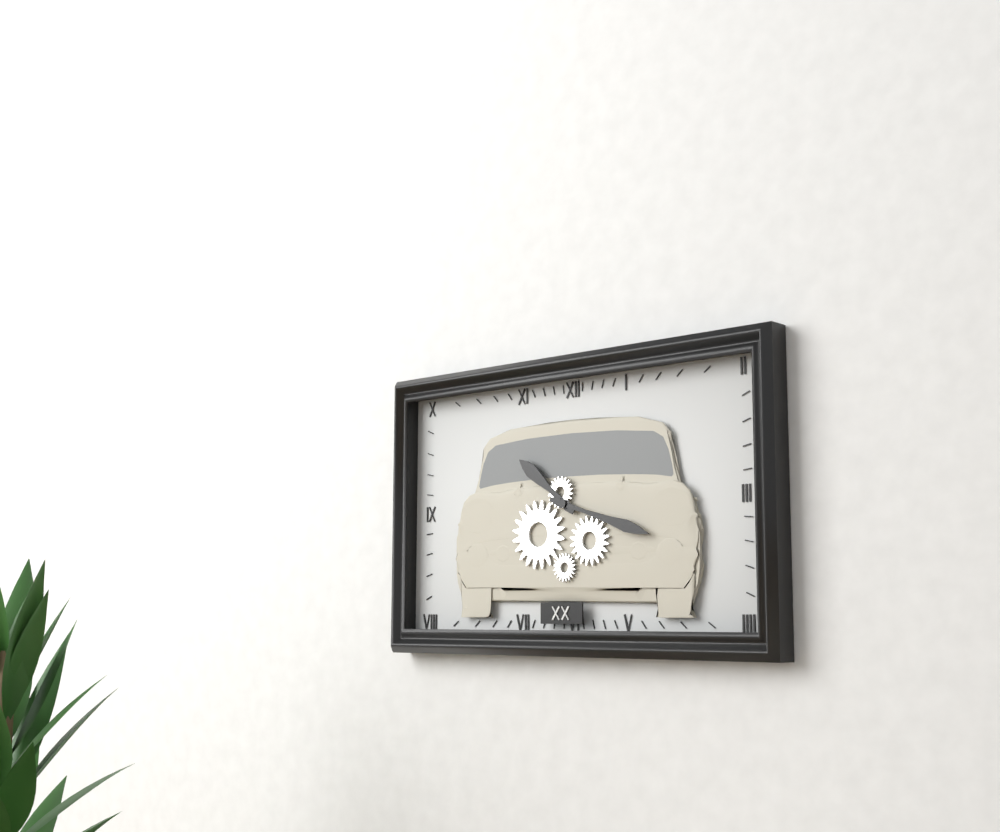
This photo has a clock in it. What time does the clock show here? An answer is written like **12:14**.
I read **10:18**
